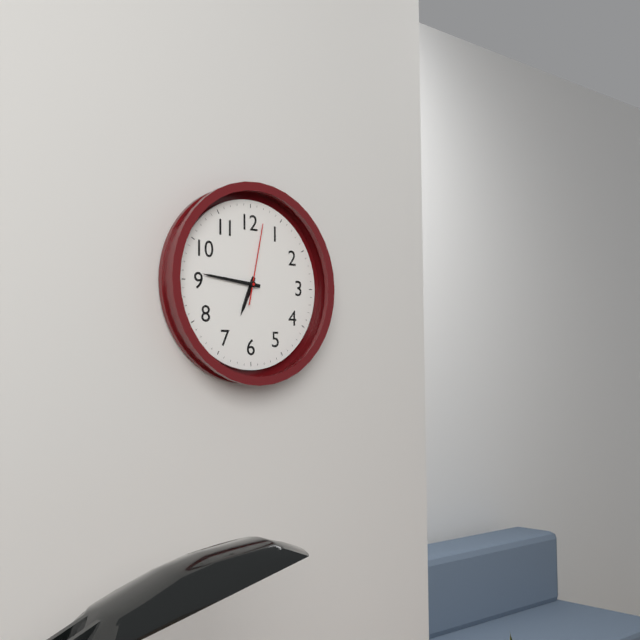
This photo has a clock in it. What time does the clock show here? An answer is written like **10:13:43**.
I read **6:46:02**
